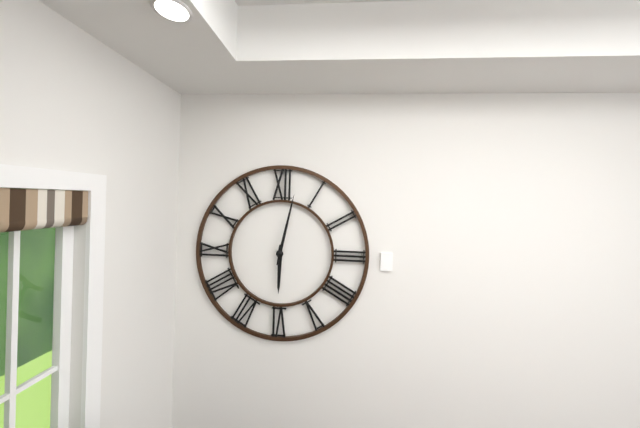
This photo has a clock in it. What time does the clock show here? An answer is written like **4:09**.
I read **6:02**
